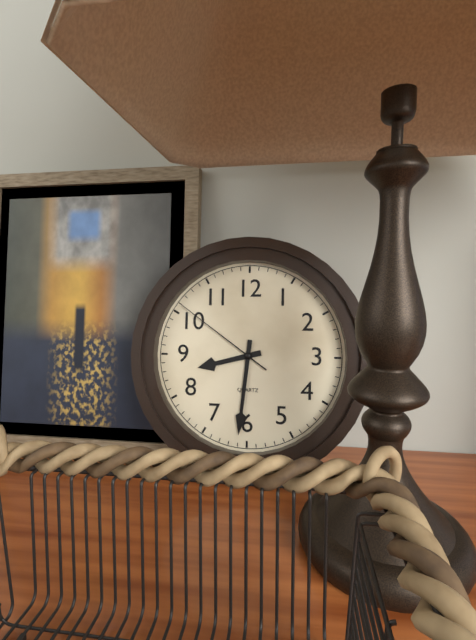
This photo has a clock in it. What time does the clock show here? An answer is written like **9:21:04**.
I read **8:31:51**
